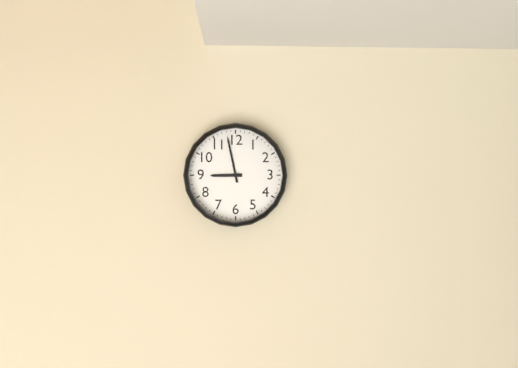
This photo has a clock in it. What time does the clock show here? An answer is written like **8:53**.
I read **8:58**
